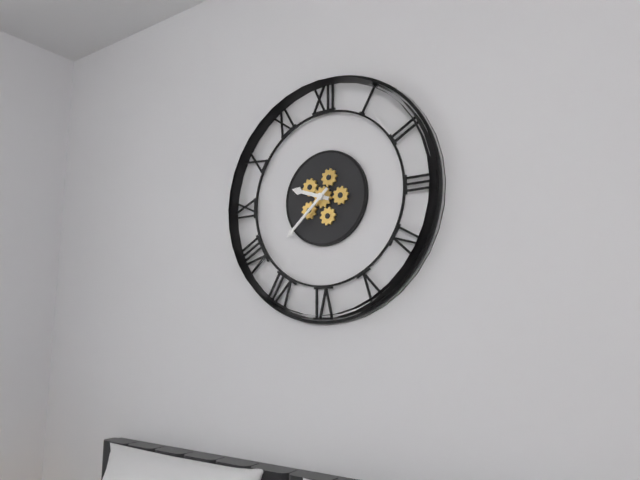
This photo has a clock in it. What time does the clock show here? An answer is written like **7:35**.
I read **9:38**
